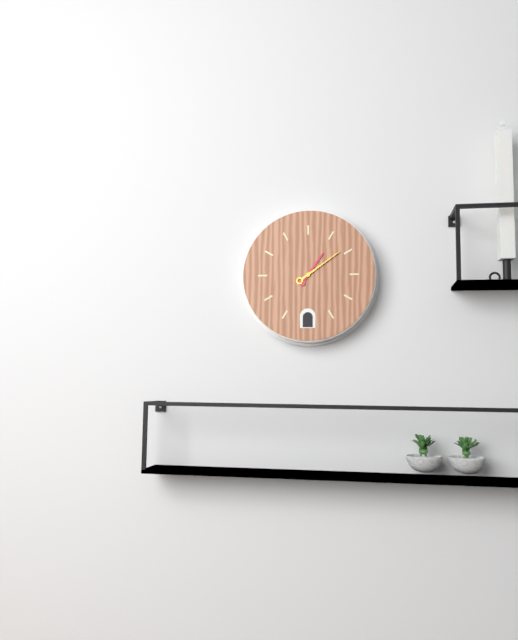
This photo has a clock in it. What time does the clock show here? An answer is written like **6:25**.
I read **1:09**
